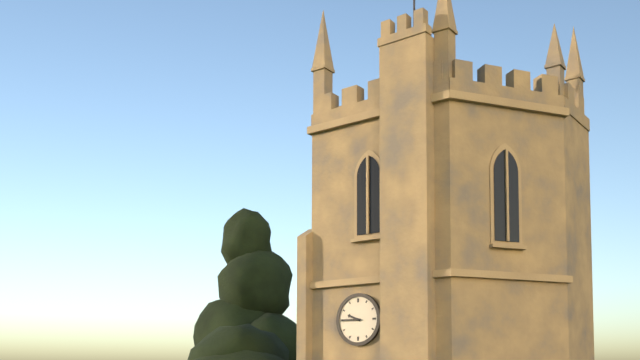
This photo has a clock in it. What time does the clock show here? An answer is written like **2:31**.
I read **9:45**
